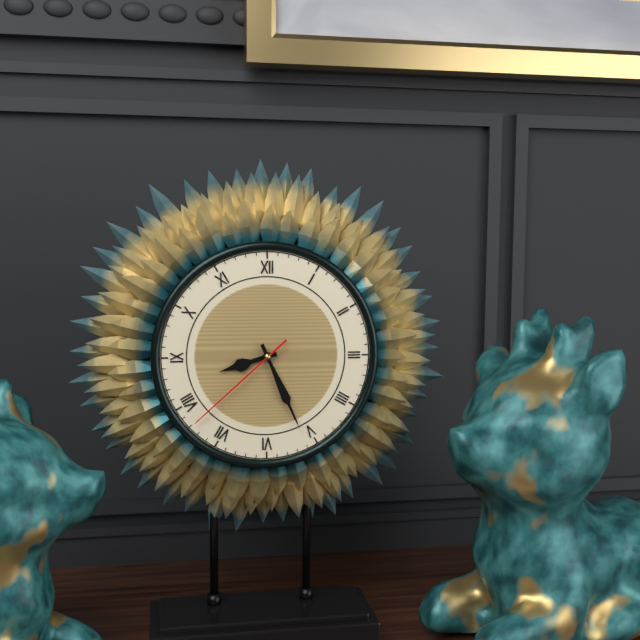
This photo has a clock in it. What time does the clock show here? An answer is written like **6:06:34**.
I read **8:26:38**
